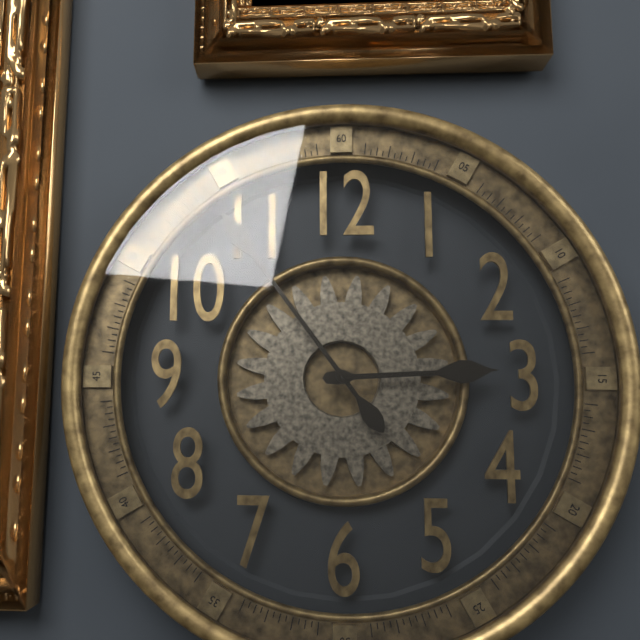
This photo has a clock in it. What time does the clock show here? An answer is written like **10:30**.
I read **2:54**
